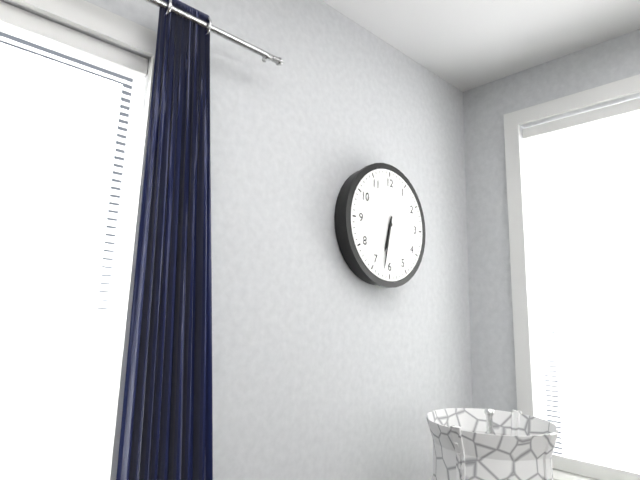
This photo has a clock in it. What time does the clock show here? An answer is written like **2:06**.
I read **6:32**
